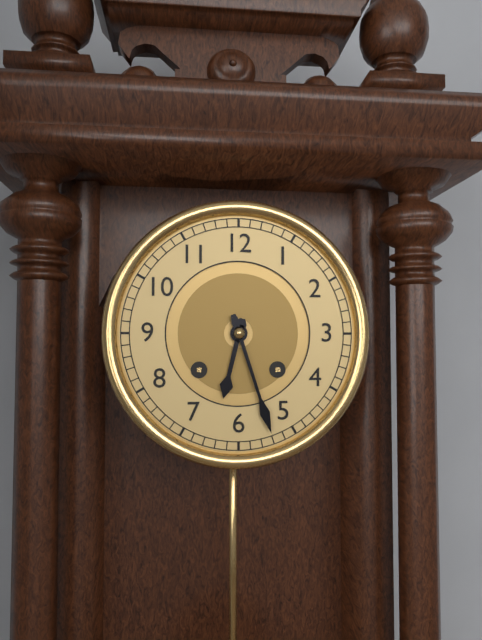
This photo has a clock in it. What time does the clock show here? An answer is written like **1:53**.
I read **6:27**
